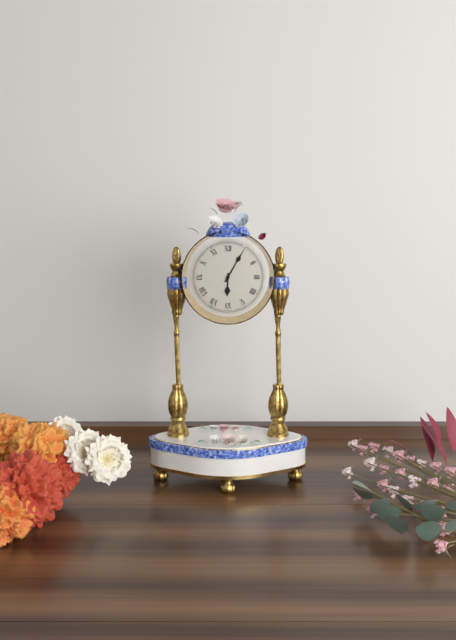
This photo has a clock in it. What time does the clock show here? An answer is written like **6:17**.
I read **6:05**
